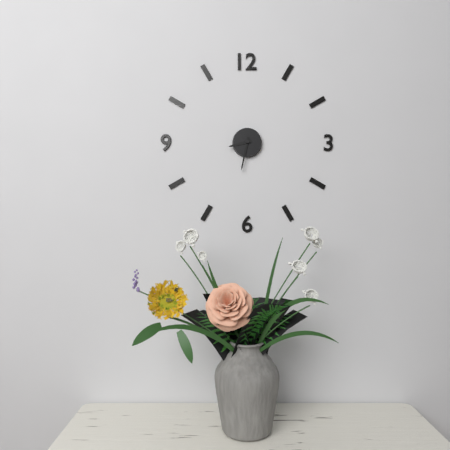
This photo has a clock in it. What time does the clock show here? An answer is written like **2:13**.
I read **8:32**
